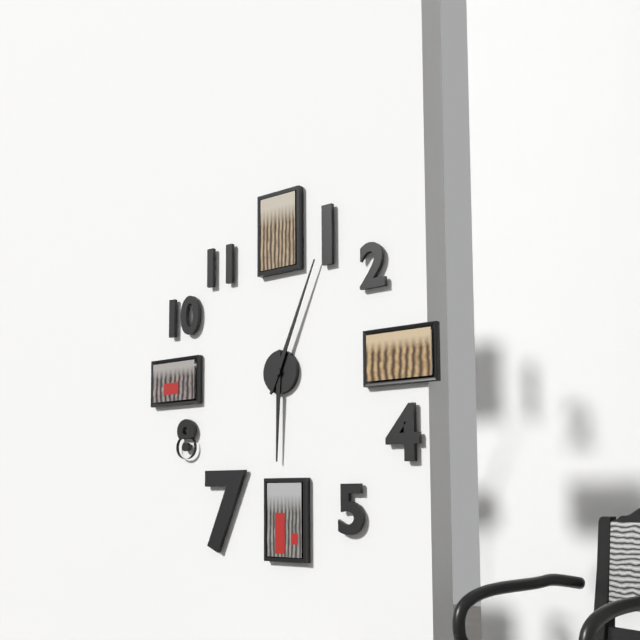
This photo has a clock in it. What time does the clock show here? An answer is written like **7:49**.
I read **6:04**
